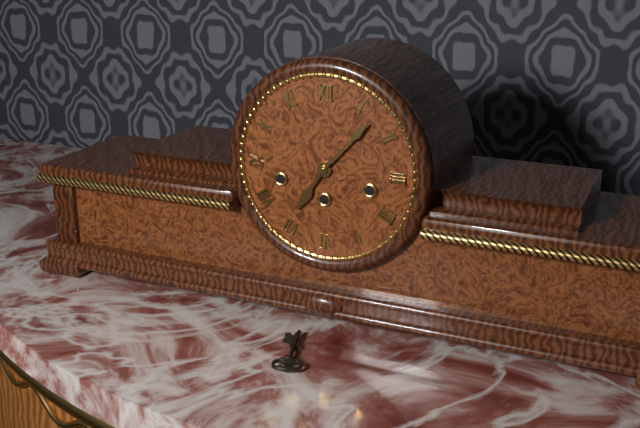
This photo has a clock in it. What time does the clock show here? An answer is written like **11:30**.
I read **7:07**
